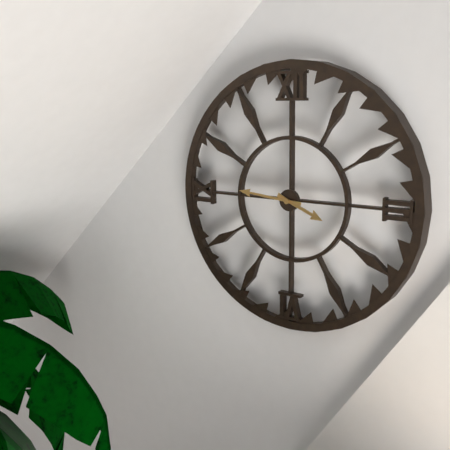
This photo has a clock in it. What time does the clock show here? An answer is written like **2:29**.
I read **3:46**
